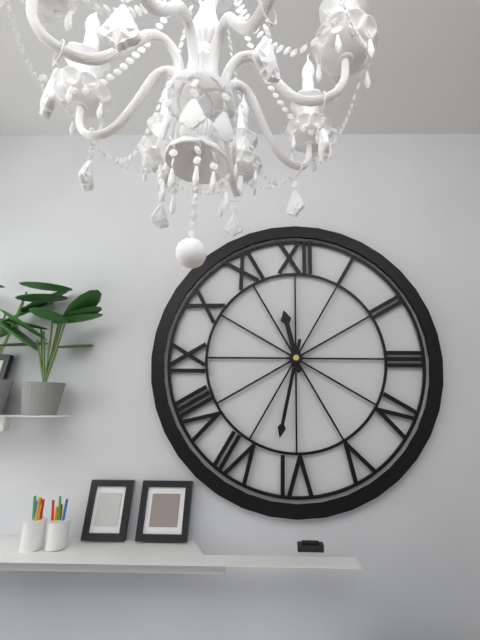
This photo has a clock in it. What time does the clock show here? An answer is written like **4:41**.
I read **11:32**
